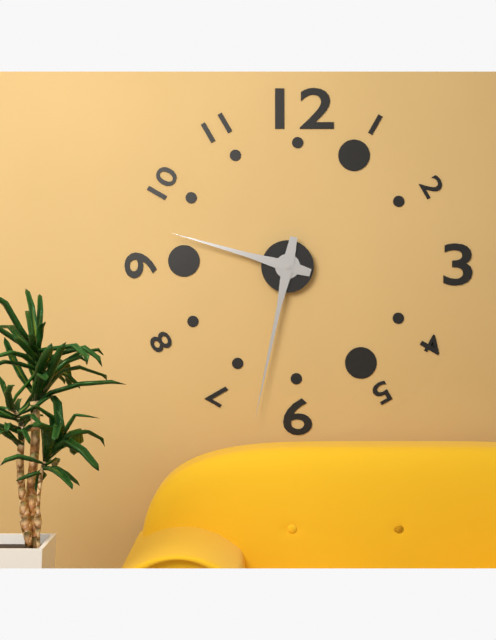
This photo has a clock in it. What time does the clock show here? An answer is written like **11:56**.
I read **9:32**
